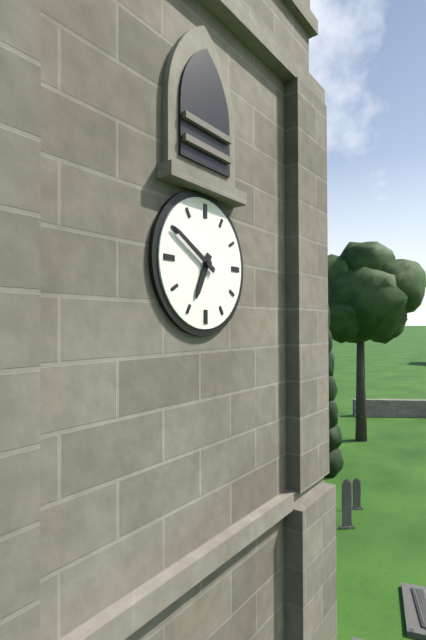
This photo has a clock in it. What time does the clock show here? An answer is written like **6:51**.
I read **6:50**
